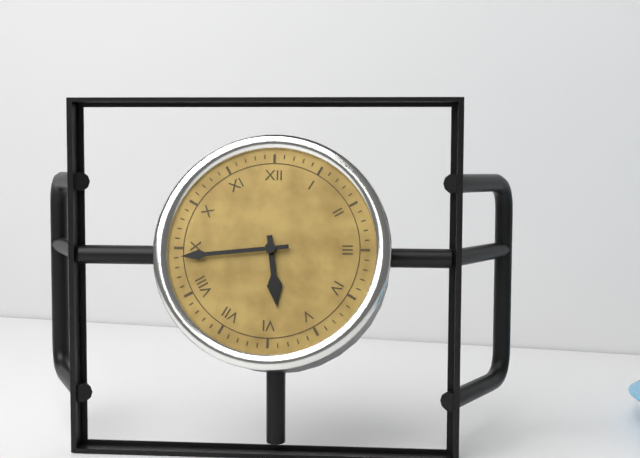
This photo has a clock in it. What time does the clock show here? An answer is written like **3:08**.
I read **5:44**
